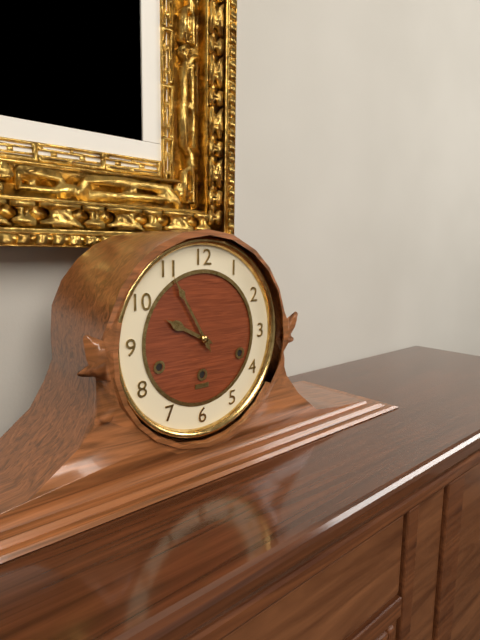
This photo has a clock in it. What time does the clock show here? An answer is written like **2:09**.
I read **9:55**
